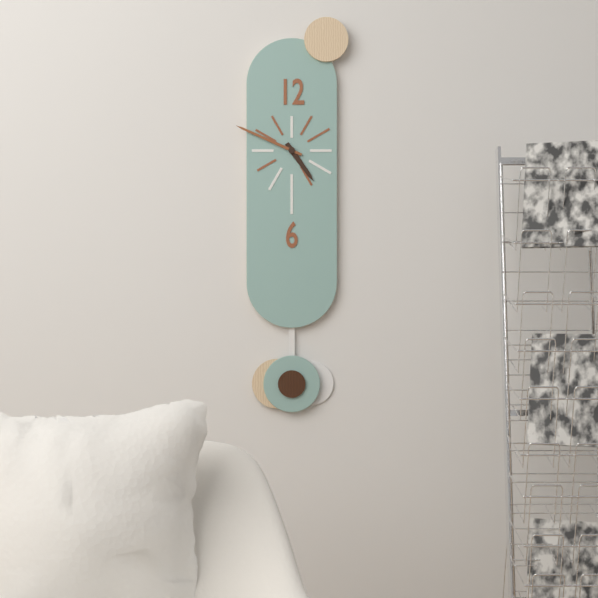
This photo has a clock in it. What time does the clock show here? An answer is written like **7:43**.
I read **4:49**
